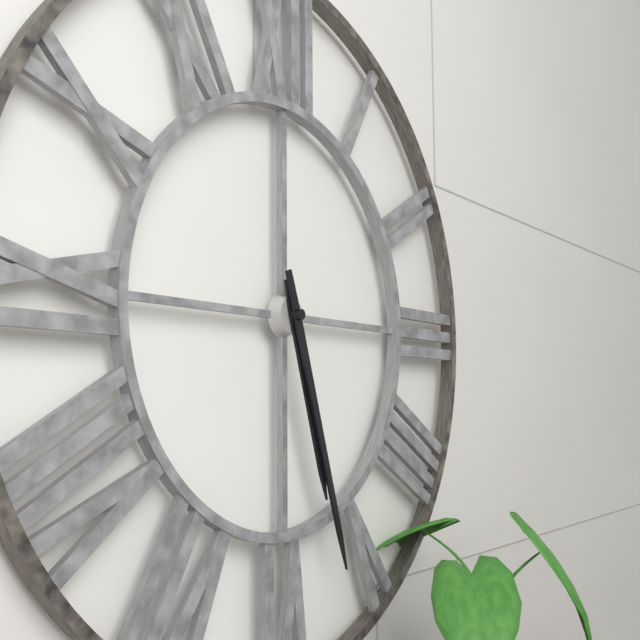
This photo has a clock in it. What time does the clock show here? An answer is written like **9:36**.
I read **5:27**
